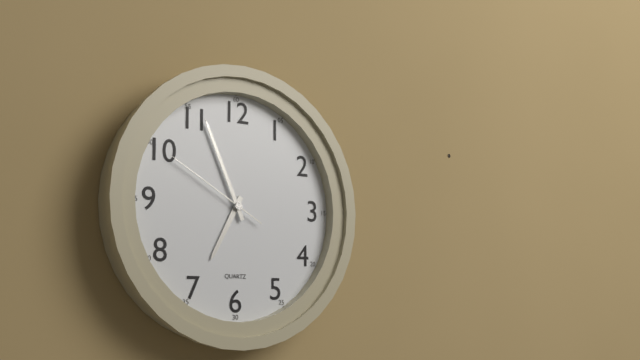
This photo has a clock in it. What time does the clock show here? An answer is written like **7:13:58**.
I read **6:56:50**
